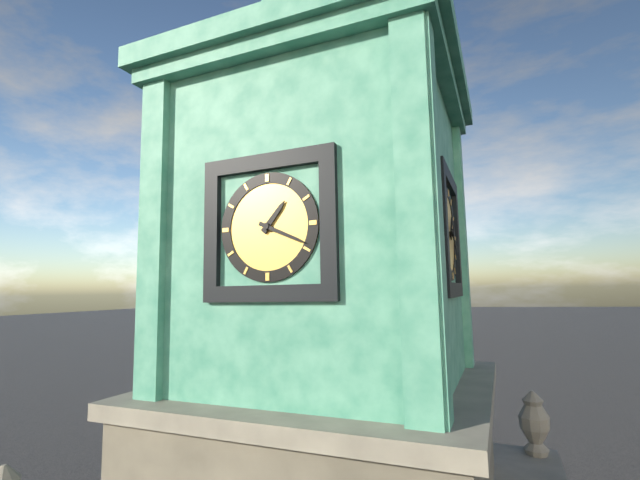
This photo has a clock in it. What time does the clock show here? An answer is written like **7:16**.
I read **1:19**
